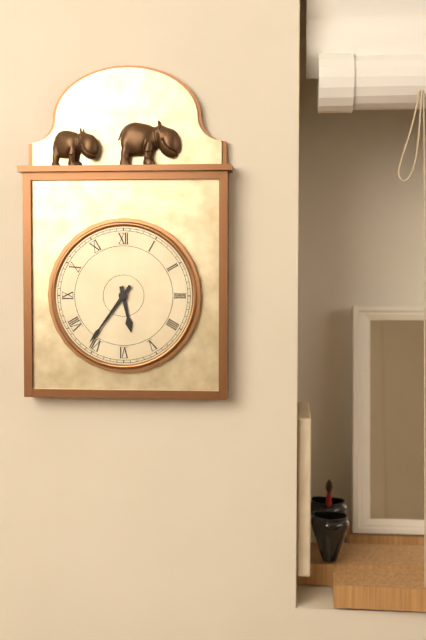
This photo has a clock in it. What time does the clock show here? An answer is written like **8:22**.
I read **5:36**
